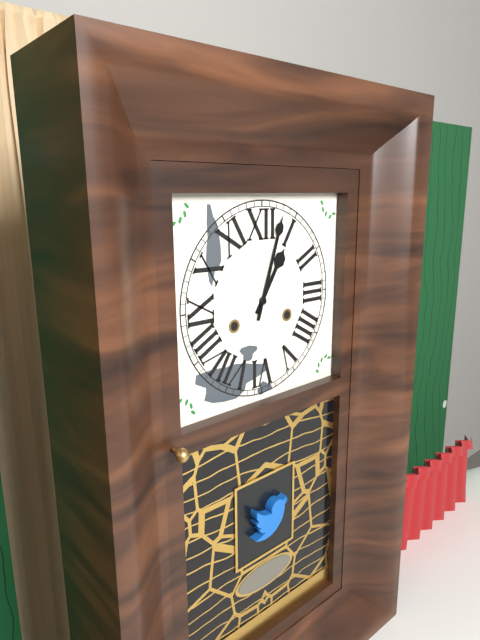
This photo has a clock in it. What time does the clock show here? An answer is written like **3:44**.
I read **1:03**
